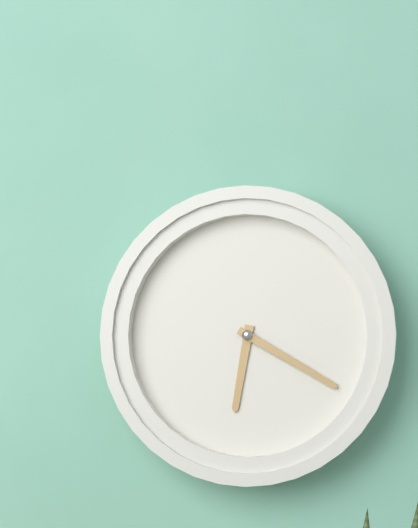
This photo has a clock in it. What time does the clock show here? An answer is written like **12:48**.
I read **6:20**
